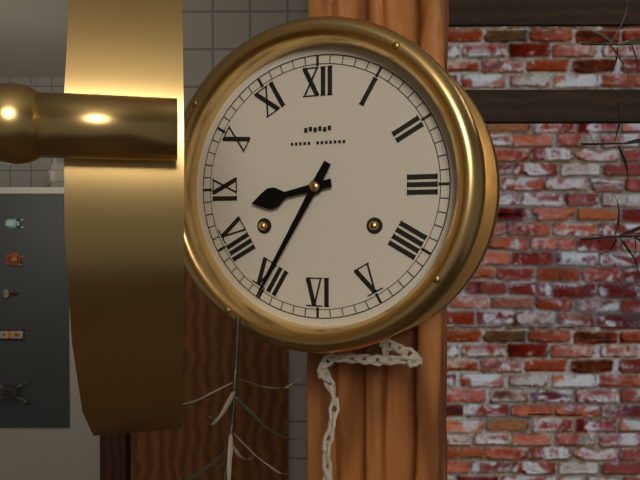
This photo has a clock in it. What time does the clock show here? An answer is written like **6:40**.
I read **8:35**
